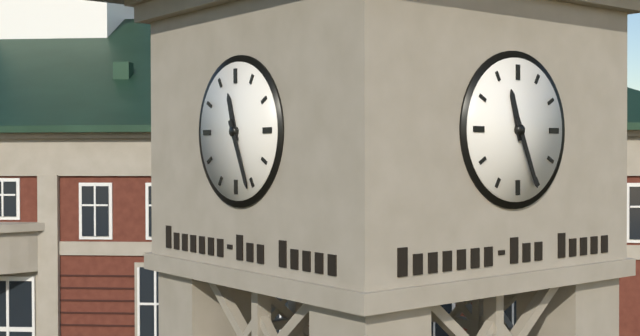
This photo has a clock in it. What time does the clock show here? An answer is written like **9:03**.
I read **11:26**
